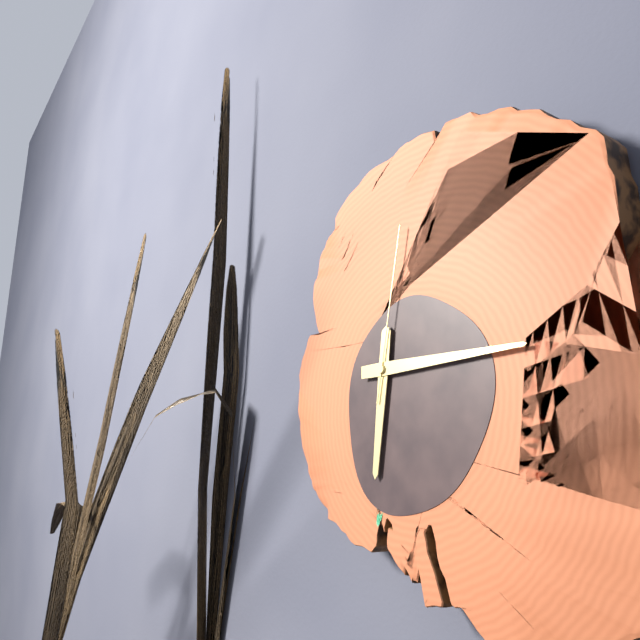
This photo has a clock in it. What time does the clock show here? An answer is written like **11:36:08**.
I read **6:15:02**
